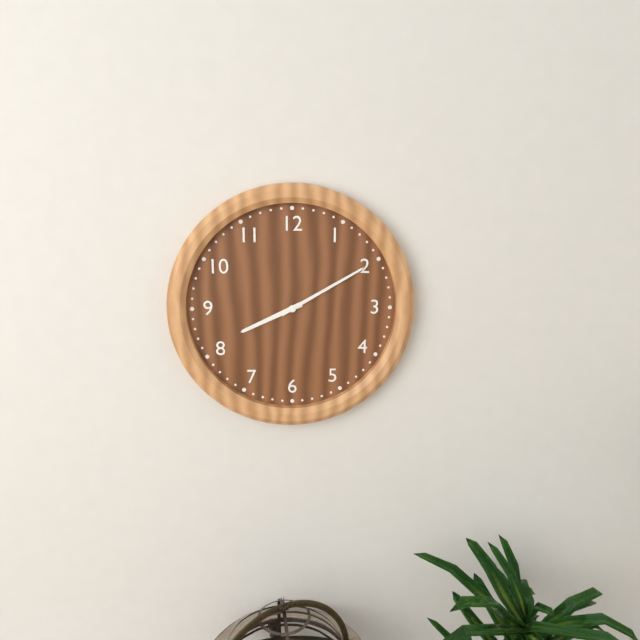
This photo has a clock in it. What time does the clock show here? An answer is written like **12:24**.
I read **8:10**
